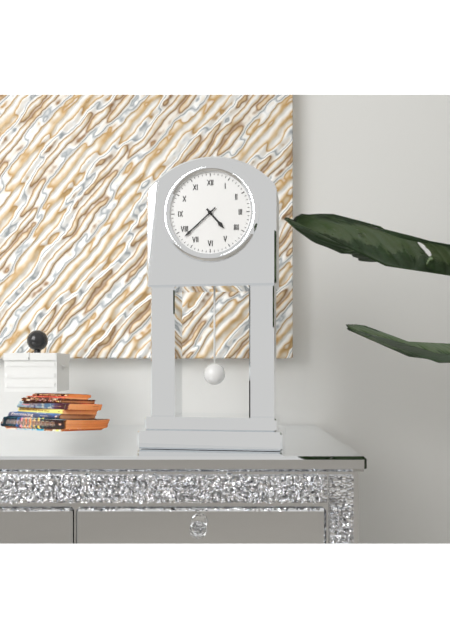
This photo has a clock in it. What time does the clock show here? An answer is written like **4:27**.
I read **4:38**
